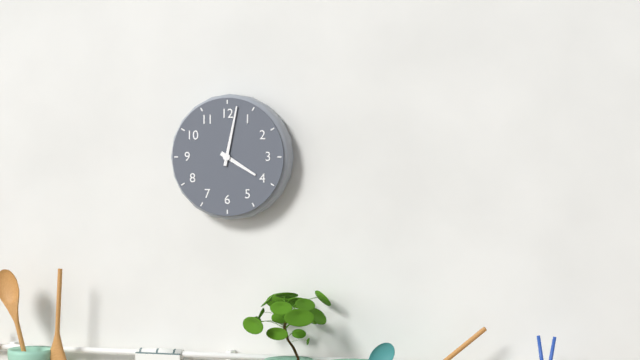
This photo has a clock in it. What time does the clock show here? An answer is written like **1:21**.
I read **4:02**
